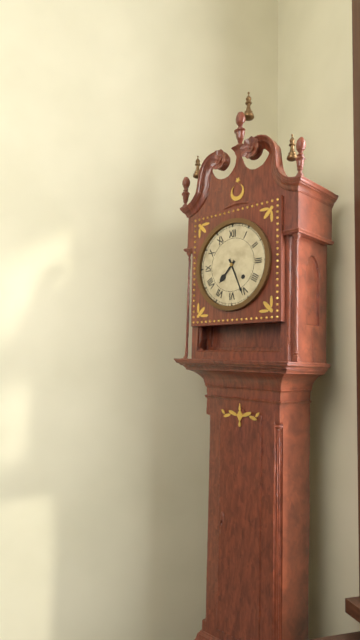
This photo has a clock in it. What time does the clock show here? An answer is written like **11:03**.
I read **7:26**
